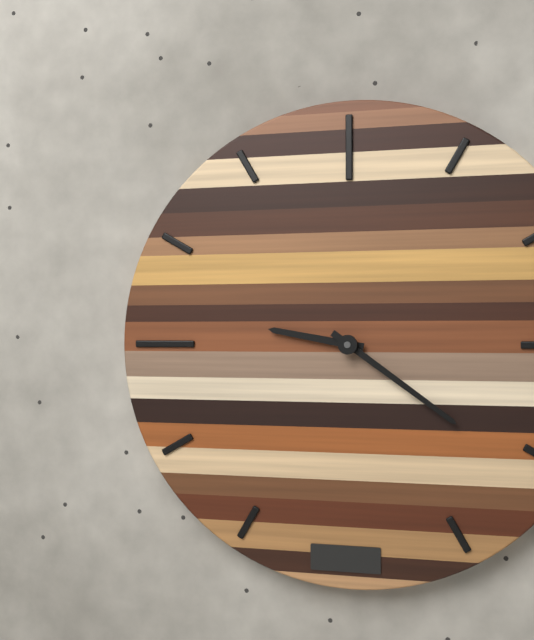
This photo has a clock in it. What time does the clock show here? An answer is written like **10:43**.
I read **9:21**
